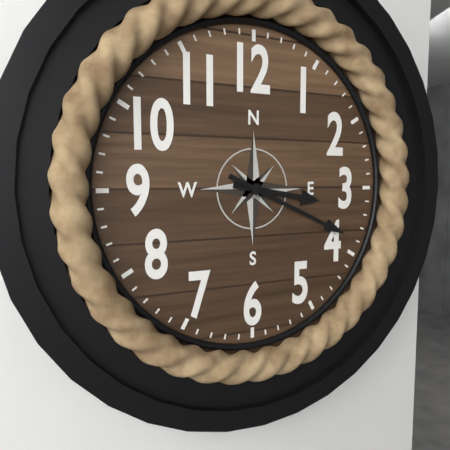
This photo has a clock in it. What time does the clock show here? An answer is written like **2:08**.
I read **3:19**
